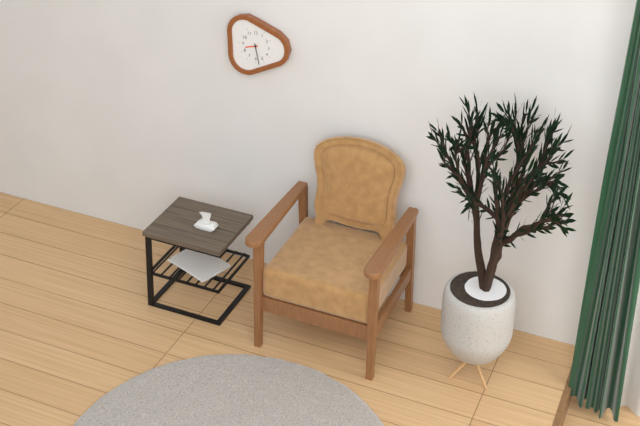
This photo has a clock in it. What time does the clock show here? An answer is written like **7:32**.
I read **8:28**
